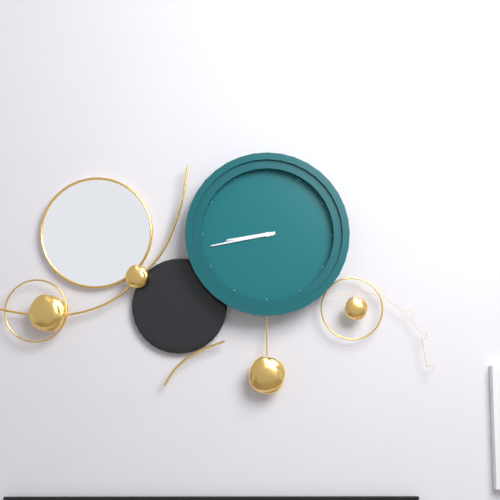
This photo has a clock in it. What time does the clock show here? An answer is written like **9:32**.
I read **8:43**
